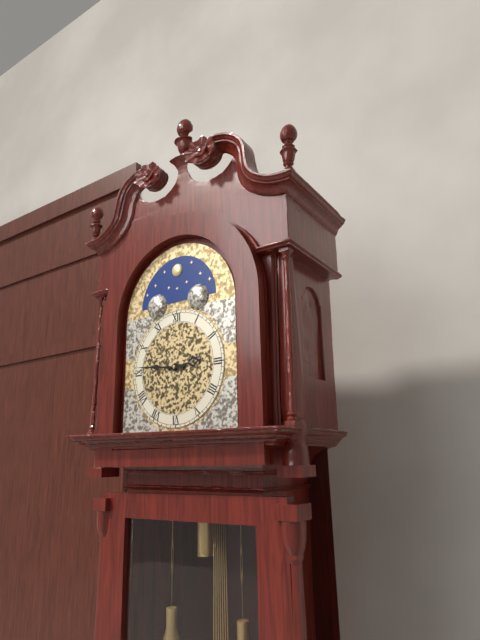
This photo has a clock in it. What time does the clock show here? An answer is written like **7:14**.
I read **2:46**
